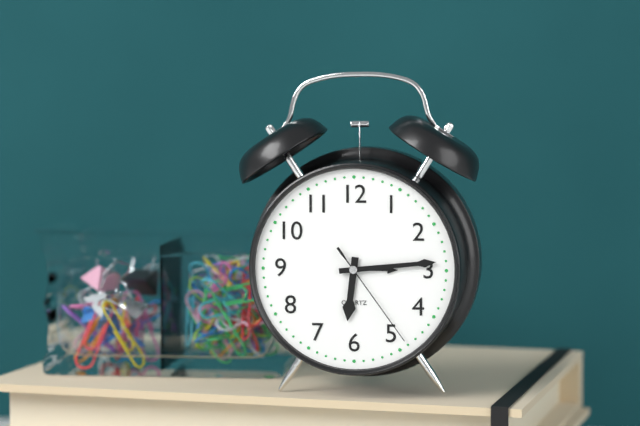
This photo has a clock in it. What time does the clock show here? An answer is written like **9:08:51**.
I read **6:14:24**
